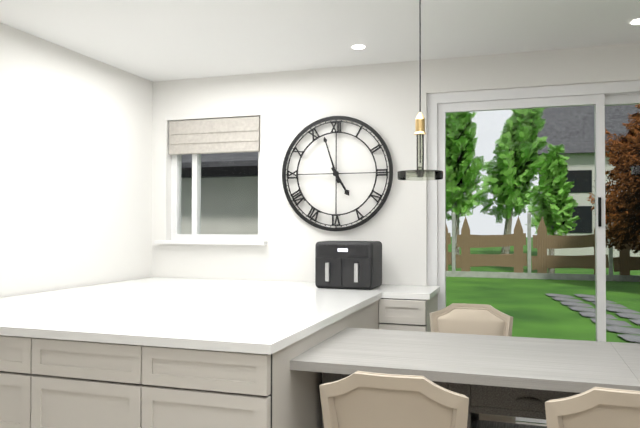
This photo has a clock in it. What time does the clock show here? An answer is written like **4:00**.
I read **4:57**
